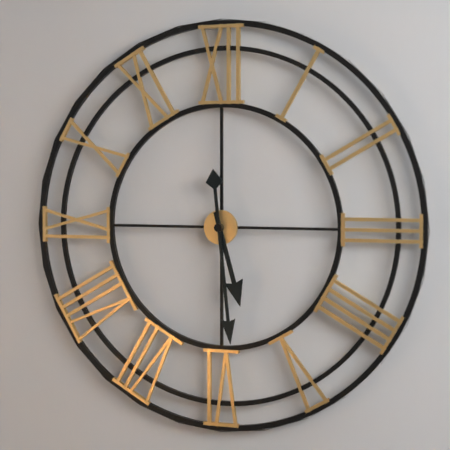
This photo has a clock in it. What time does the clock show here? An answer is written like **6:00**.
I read **5:29**
